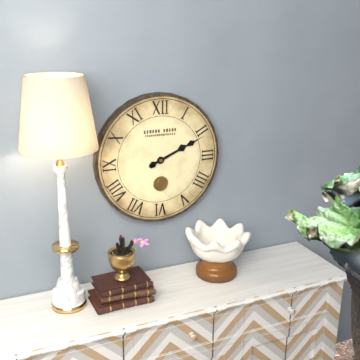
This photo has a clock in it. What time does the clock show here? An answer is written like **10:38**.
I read **2:11**
